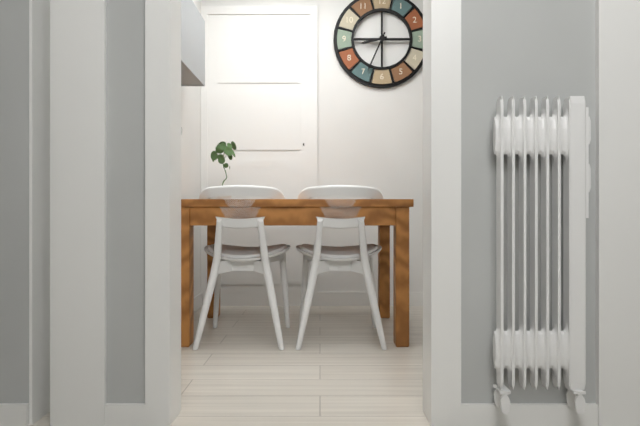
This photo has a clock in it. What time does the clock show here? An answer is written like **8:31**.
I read **8:34**
